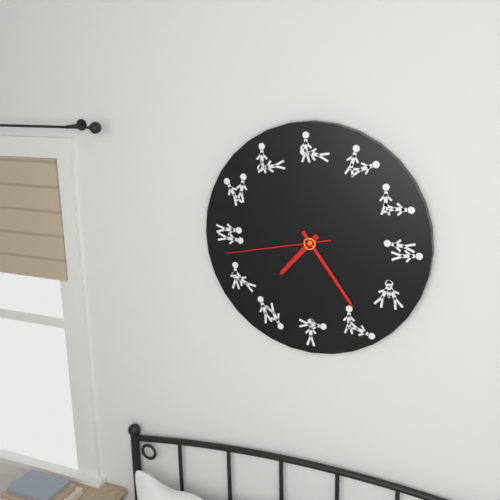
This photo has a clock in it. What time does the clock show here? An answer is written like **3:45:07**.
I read **7:24:43**
